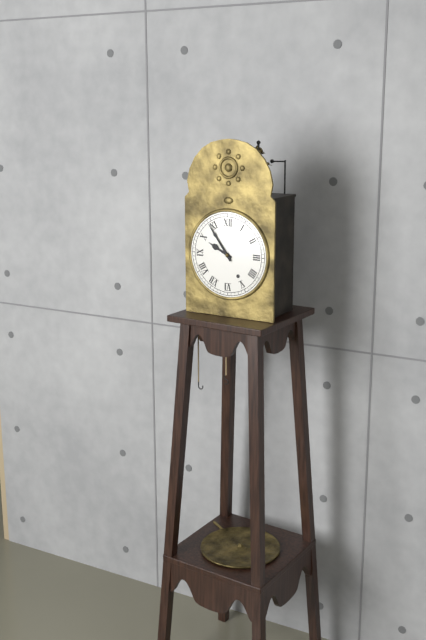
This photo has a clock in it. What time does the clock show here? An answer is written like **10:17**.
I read **9:54**
